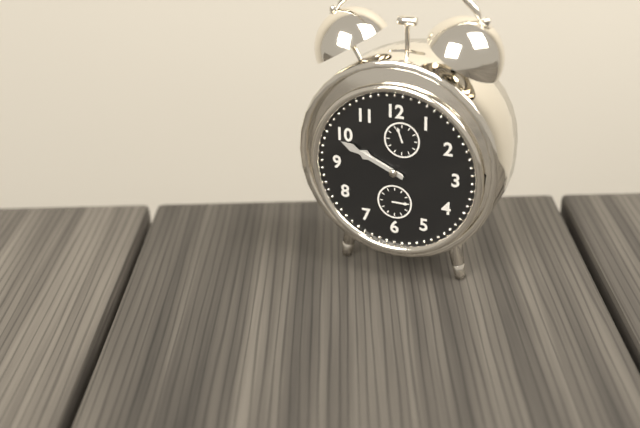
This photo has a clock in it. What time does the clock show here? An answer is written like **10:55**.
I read **9:49**
